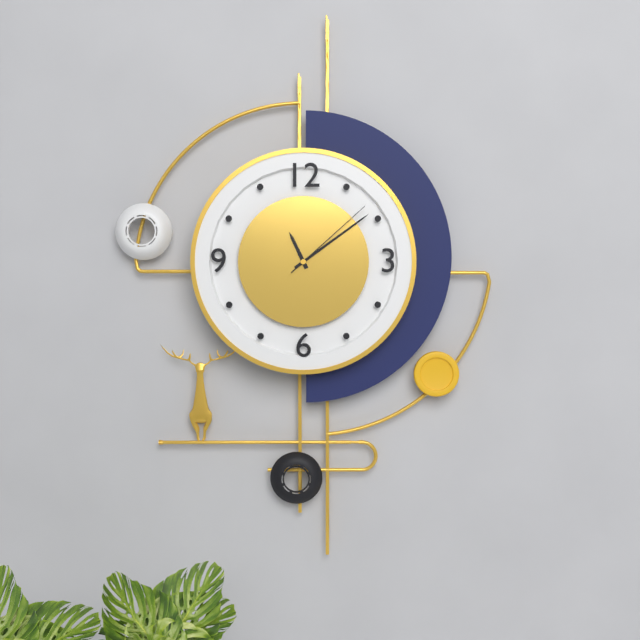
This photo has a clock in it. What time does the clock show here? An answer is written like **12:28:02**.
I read **11:09:08**
